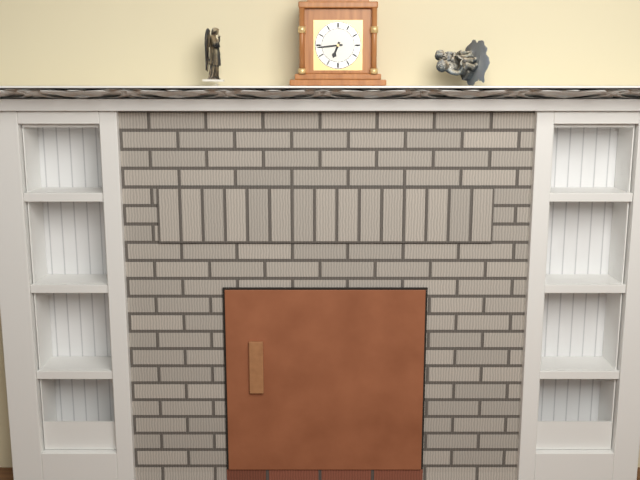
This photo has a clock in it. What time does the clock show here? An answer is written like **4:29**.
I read **6:44**
